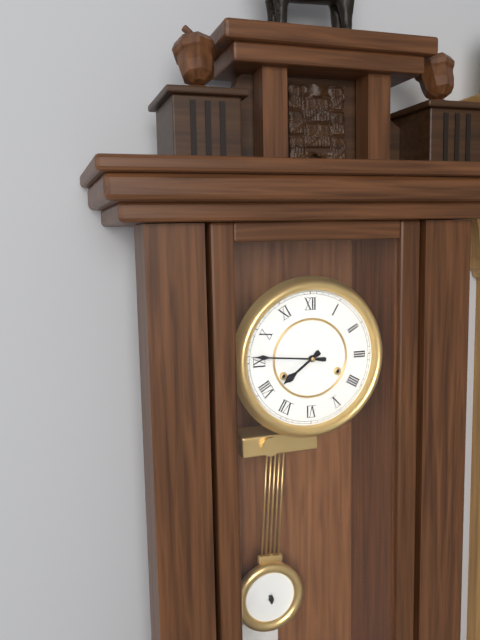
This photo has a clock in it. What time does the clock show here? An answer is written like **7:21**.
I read **7:46**
